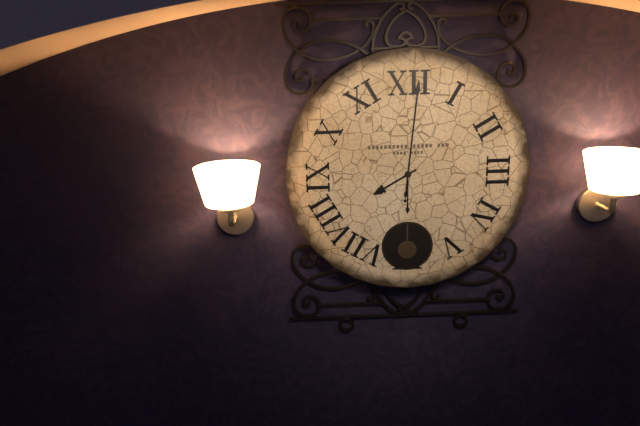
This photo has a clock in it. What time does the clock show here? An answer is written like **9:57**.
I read **8:01**
